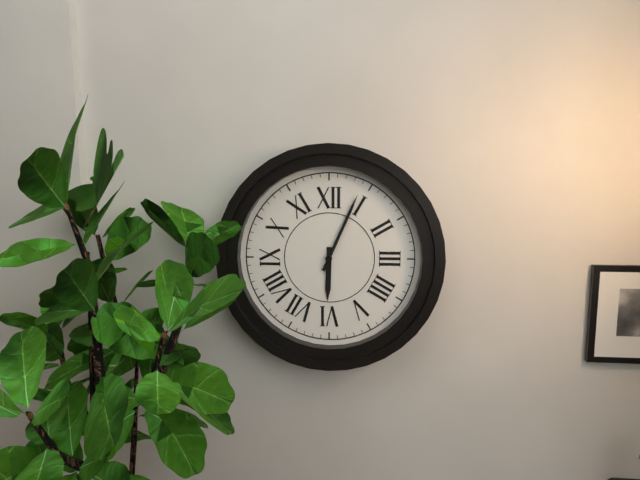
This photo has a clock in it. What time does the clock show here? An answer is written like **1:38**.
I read **6:04**
